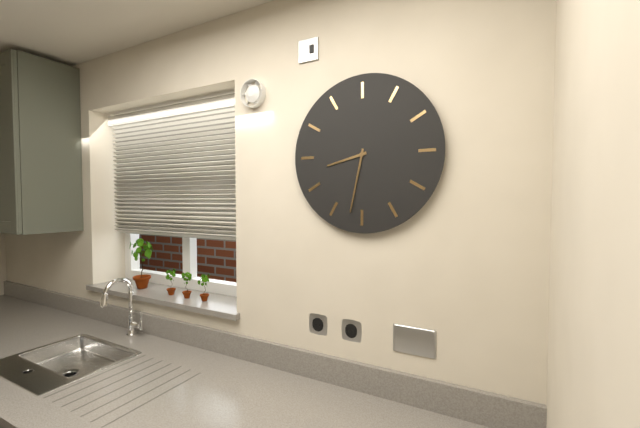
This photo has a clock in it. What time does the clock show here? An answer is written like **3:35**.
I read **8:32**
